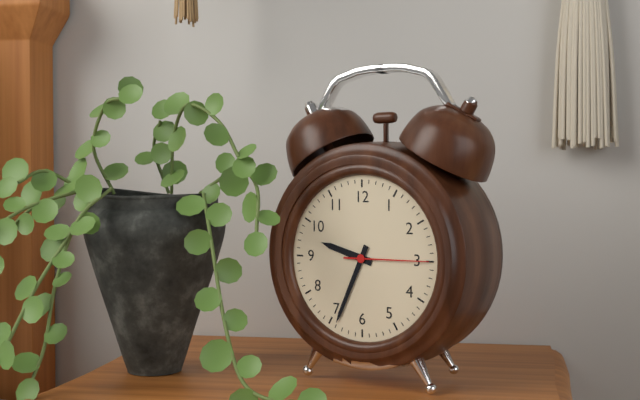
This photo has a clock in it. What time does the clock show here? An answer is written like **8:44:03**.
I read **9:34:15**
